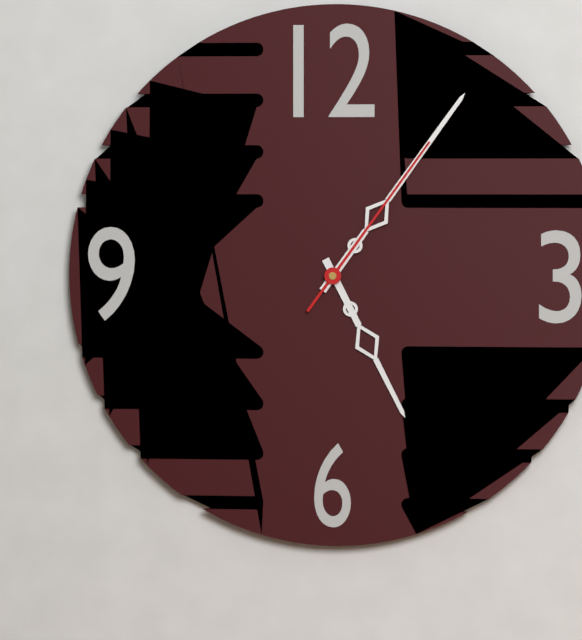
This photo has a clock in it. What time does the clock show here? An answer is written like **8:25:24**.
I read **5:06:06**
